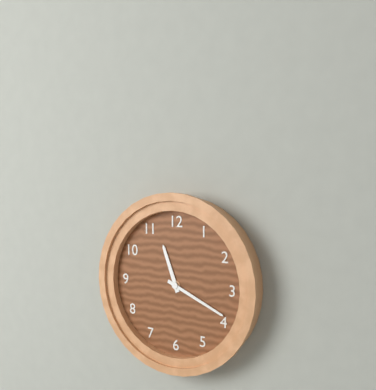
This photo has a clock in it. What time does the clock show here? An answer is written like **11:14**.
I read **11:19**
